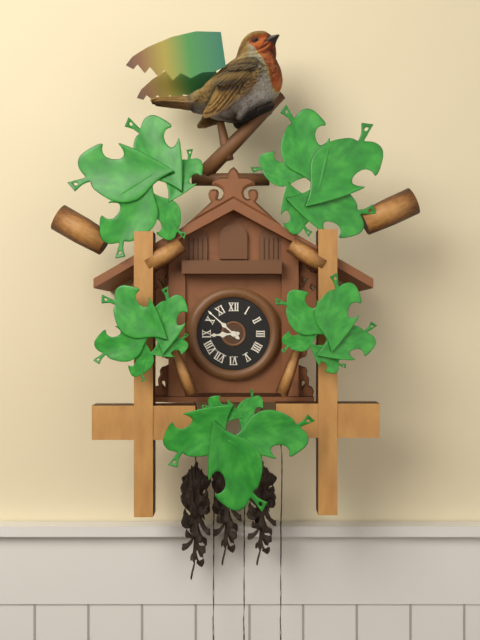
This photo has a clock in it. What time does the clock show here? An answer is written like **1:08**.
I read **8:52**
